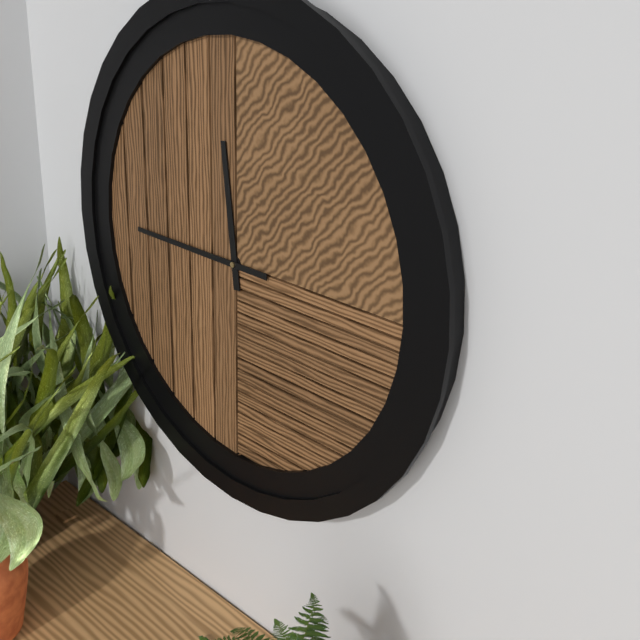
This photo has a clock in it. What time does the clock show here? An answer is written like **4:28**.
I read **11:45**
